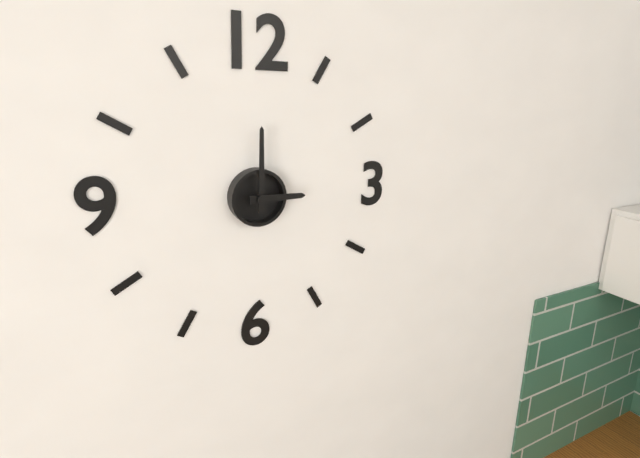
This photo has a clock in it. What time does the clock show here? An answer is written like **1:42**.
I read **3:00**
